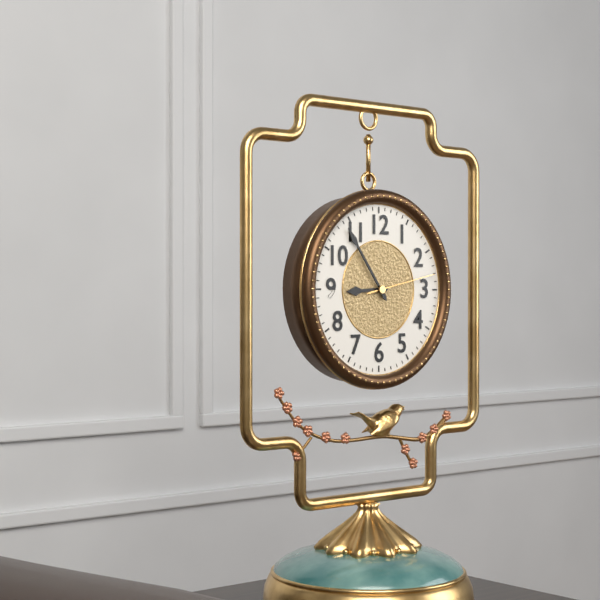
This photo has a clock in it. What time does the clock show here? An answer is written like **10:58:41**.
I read **8:54:13**
